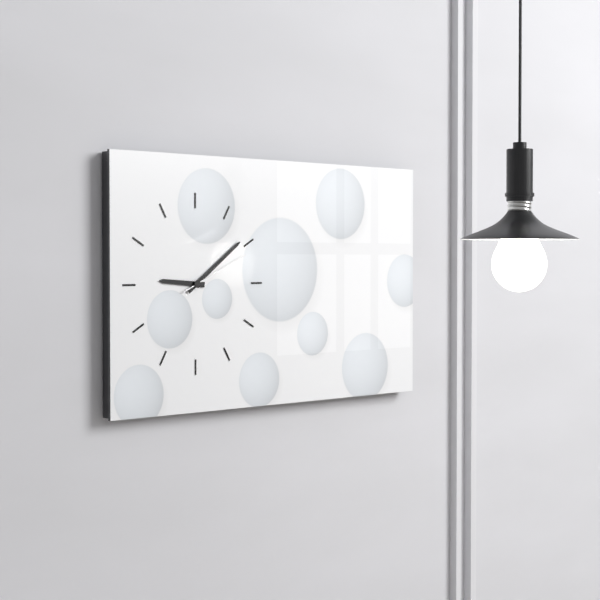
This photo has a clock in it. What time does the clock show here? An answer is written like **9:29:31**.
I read **9:09:11**
